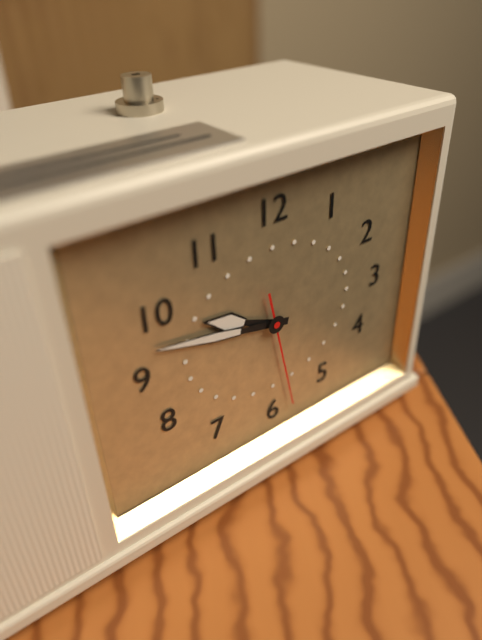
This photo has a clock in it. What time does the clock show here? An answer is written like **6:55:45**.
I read **9:47:28**
